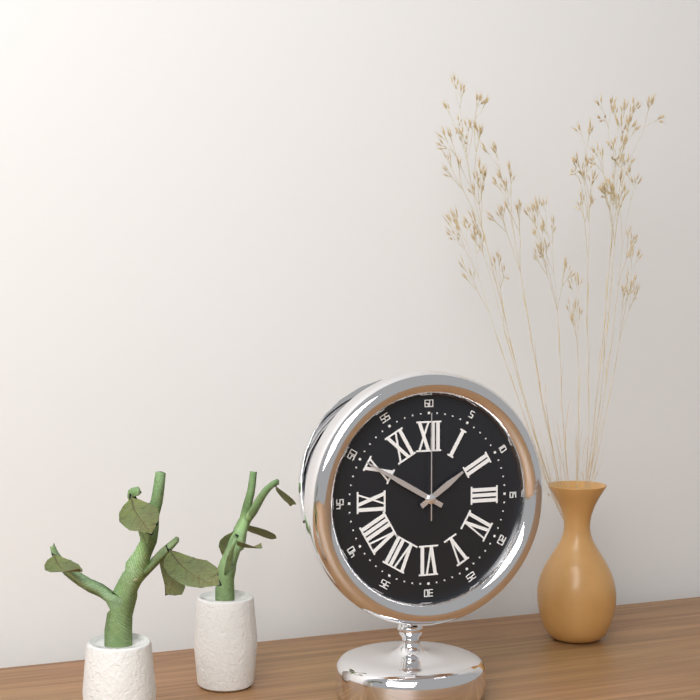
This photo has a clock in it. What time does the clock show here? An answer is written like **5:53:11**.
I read **1:50:00**
